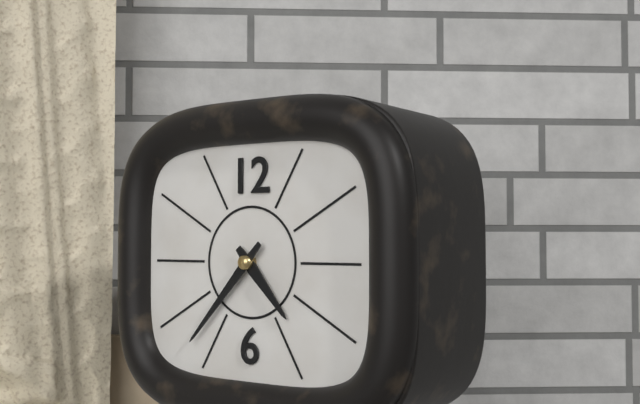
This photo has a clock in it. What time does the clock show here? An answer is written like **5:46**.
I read **4:37**
